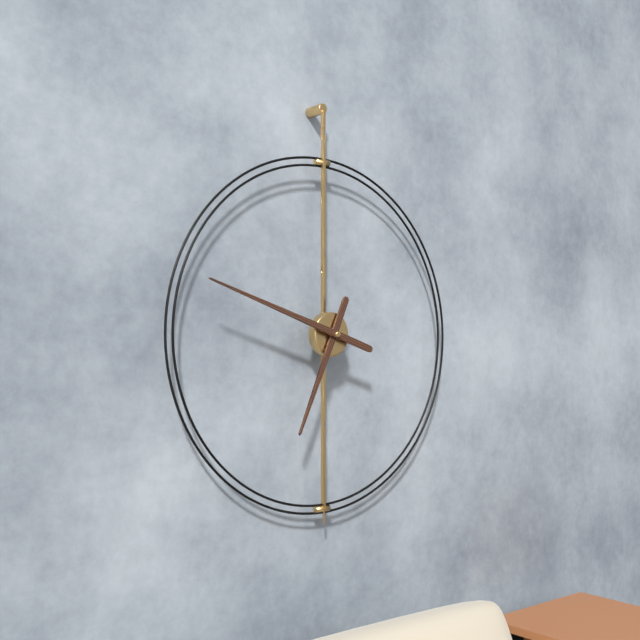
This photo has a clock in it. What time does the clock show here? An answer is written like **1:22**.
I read **6:48**
